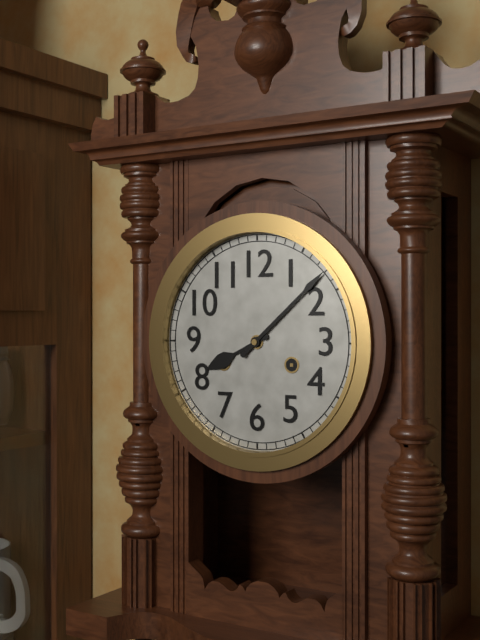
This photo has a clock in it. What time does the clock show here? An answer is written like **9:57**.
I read **8:08**
